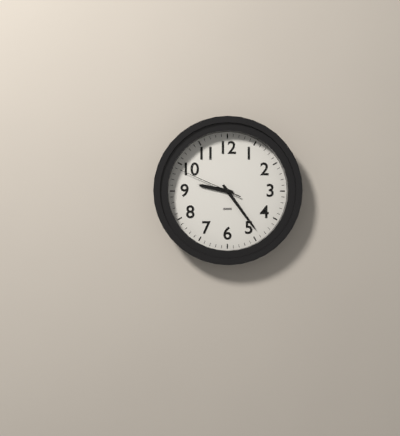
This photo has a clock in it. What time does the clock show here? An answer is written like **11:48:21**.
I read **9:24:49**
